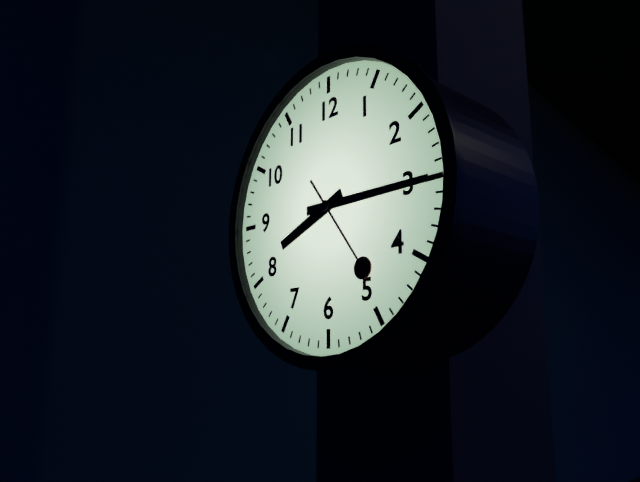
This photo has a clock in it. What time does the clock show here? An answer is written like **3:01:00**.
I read **8:15:24**
